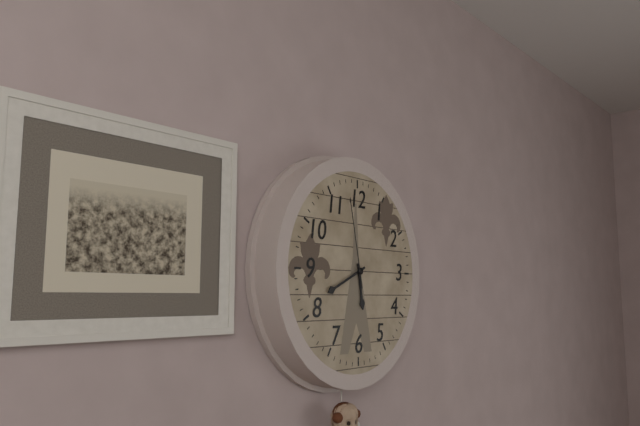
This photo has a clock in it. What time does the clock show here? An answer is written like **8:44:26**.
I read **5:41:58**
